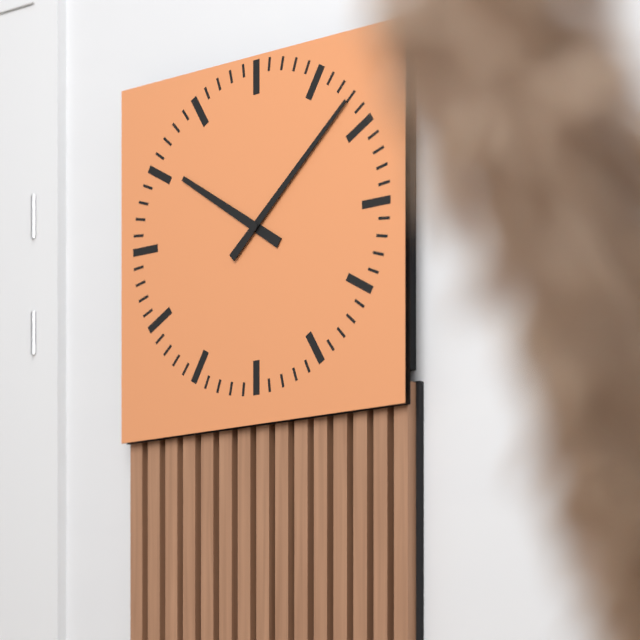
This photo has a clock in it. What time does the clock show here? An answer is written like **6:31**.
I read **10:08**
